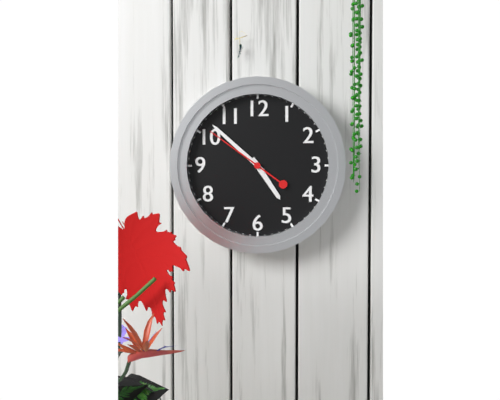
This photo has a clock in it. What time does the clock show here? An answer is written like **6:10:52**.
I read **4:52:51**
